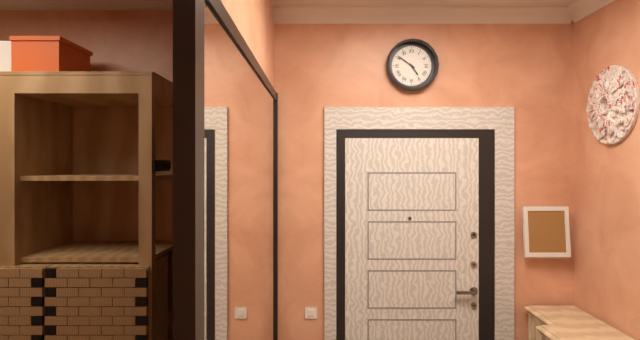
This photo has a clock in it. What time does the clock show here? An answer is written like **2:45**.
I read **4:51**
